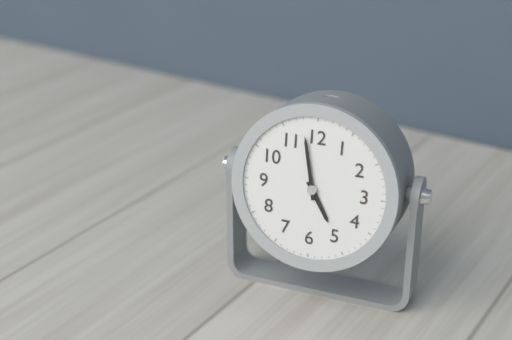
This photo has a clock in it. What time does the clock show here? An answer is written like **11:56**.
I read **4:58**
